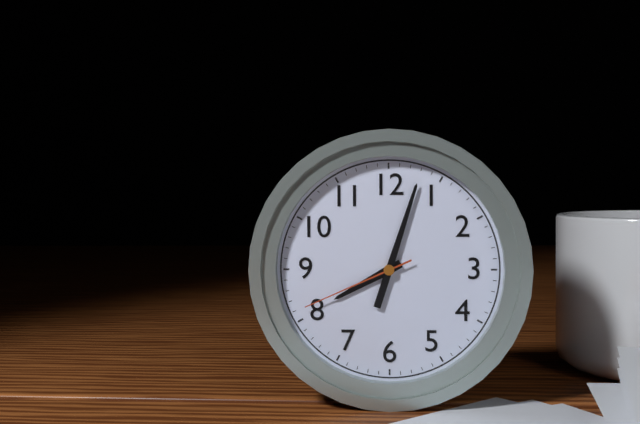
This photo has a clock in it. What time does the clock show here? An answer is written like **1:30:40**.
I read **8:03:41**
